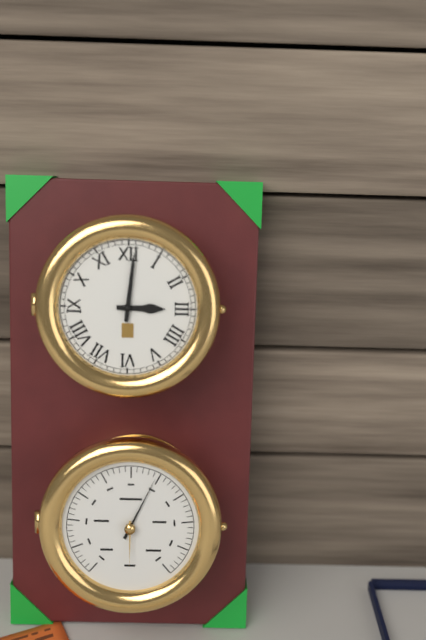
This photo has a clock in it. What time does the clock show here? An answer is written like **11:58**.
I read **3:01**
